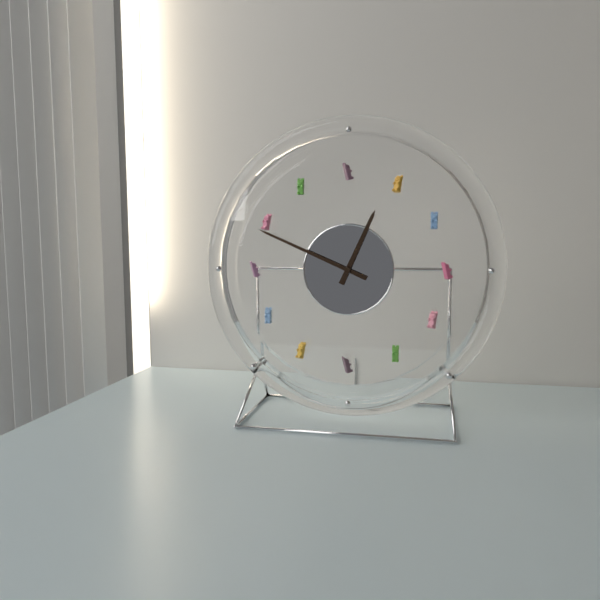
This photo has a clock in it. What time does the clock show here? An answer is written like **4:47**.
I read **12:49**
